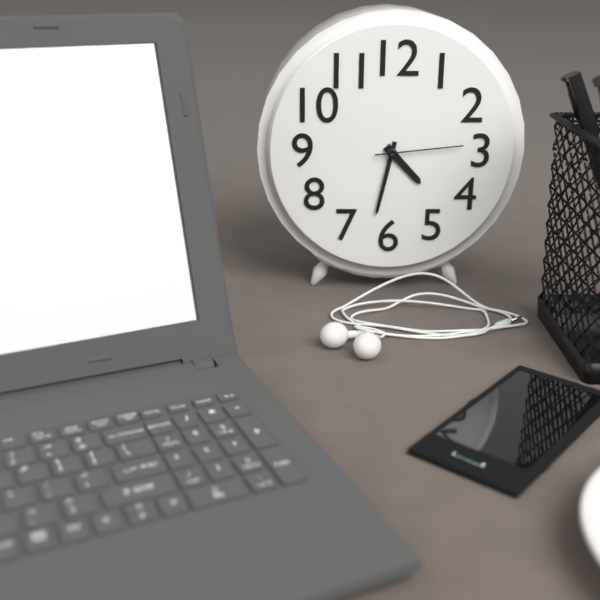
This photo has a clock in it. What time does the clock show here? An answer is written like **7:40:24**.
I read **4:32:14**
